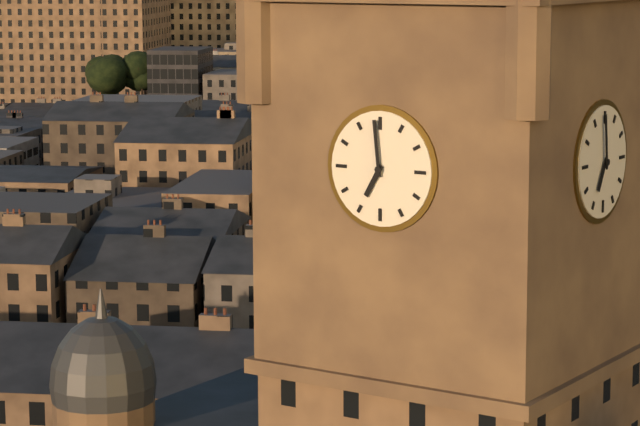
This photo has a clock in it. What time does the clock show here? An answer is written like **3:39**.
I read **6:59**
